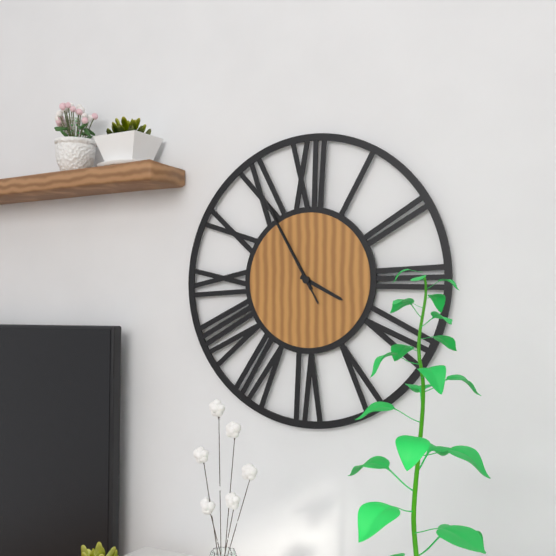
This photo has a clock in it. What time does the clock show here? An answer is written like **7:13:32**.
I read **3:55:55**
